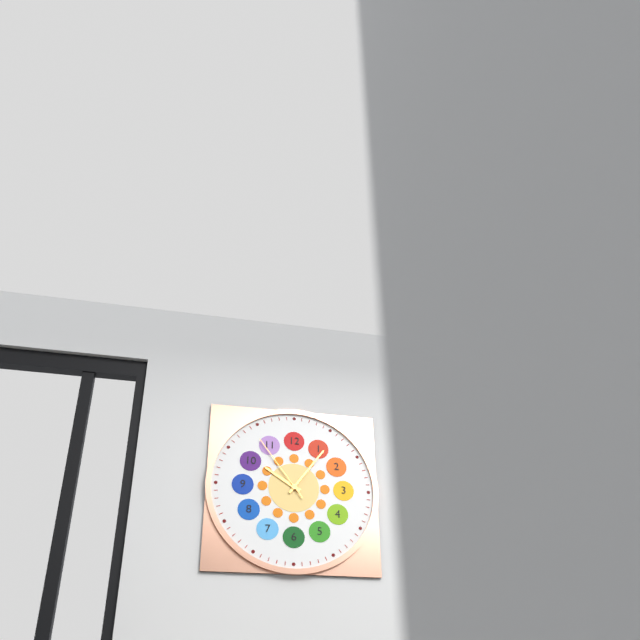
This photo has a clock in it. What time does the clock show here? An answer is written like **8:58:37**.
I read **10:06:54**
